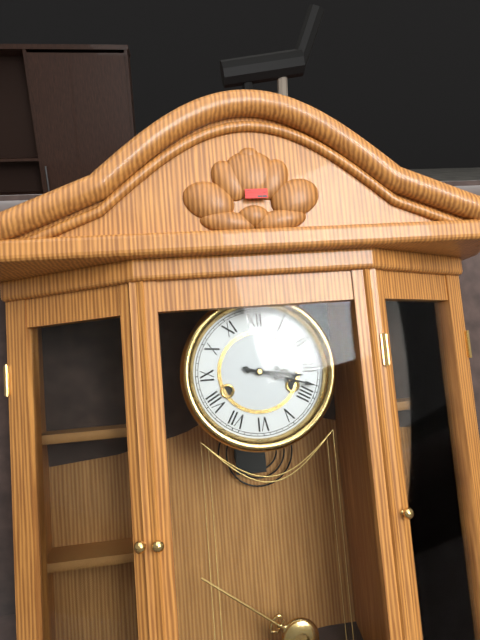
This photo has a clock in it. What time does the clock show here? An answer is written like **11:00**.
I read **3:18**
